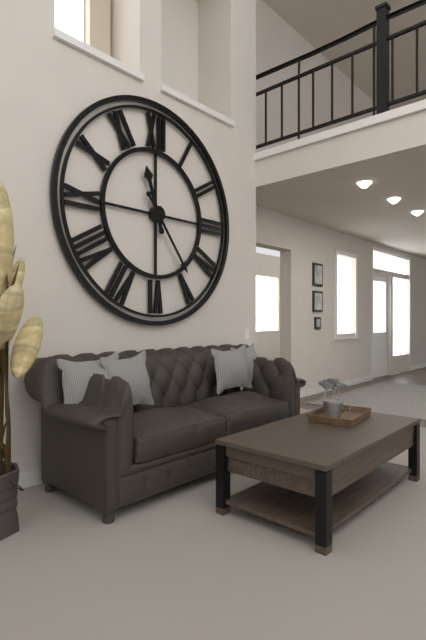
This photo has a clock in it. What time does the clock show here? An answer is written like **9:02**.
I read **11:24**
